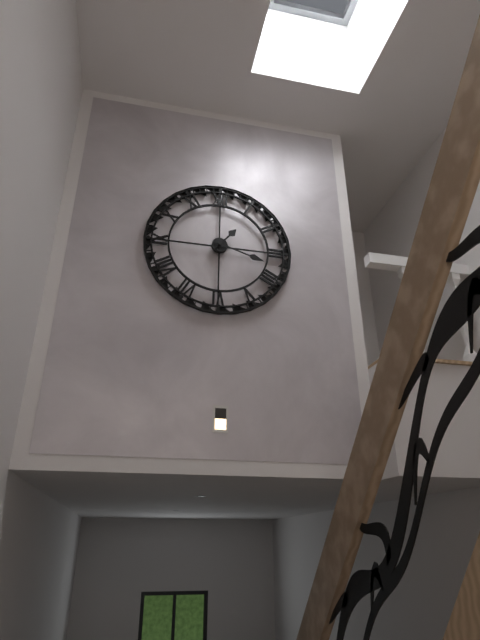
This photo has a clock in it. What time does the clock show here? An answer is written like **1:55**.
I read **1:18**
